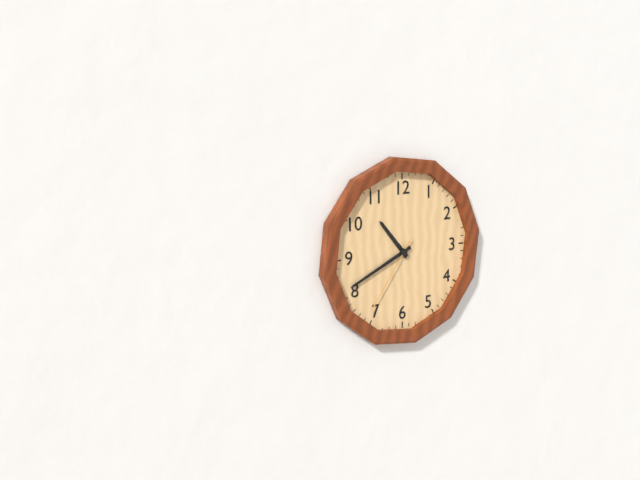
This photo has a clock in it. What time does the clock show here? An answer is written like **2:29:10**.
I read **10:41:36**
